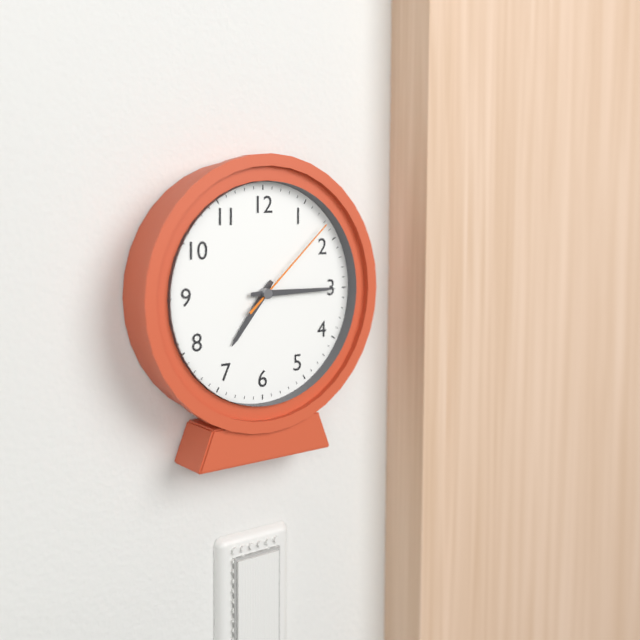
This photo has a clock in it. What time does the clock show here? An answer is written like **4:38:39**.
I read **7:15:08**
